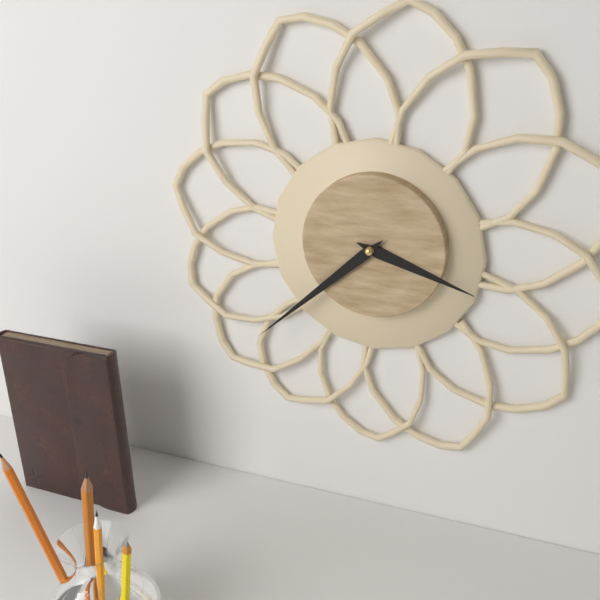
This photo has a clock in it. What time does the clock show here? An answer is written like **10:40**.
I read **3:38**
